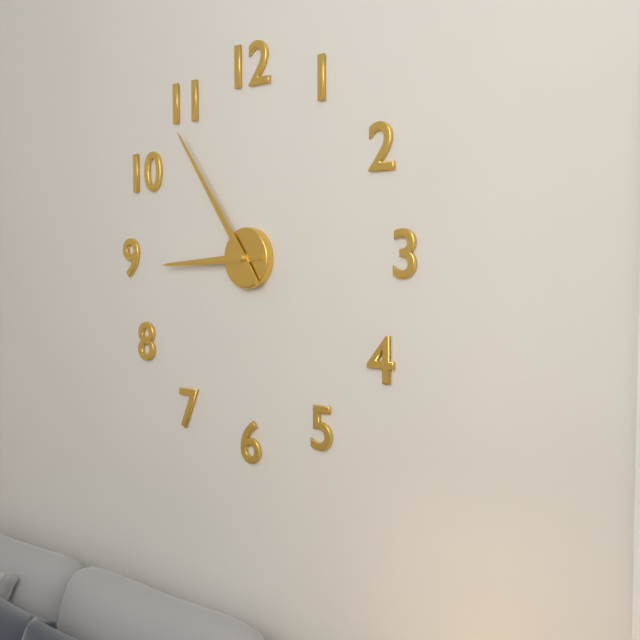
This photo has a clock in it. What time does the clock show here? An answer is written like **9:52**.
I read **8:54**
